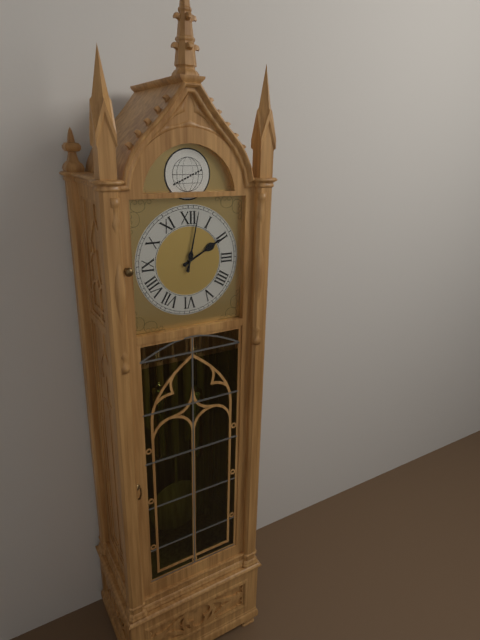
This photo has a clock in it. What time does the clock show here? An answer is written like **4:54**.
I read **2:02**
